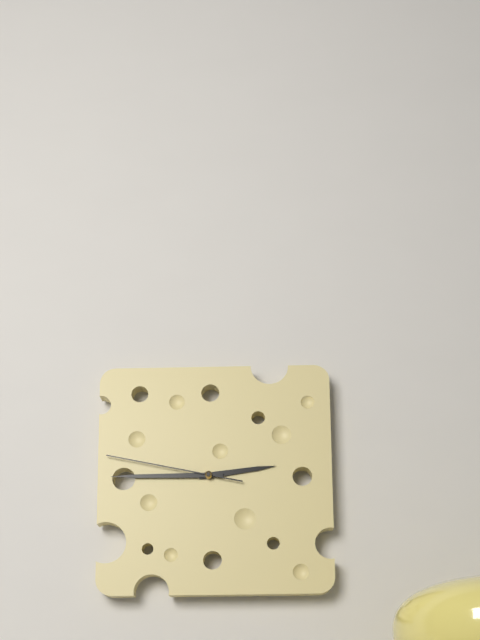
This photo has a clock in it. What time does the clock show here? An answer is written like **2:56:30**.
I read **2:45:47**
